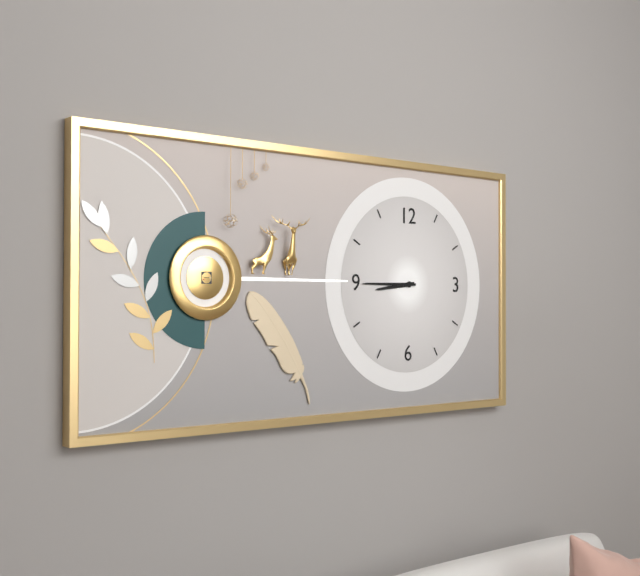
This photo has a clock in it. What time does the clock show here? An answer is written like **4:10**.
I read **8:45**
